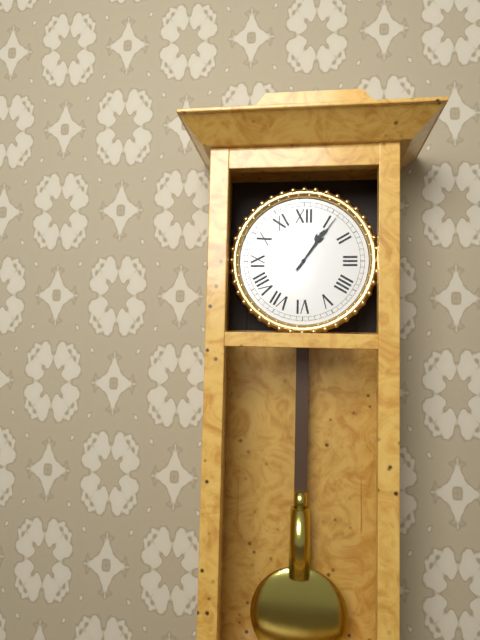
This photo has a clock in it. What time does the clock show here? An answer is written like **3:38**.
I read **1:06**
